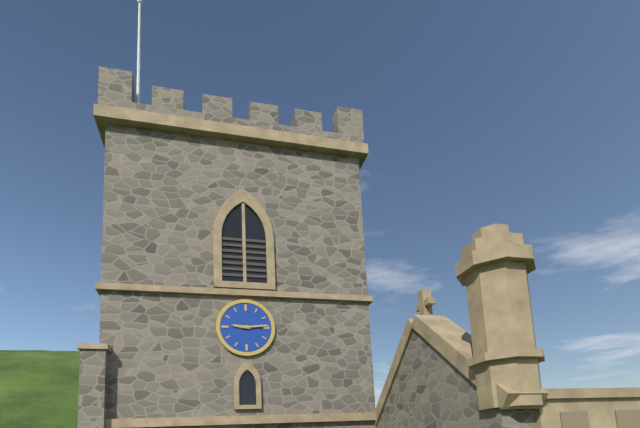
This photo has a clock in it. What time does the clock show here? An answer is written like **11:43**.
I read **9:14**
